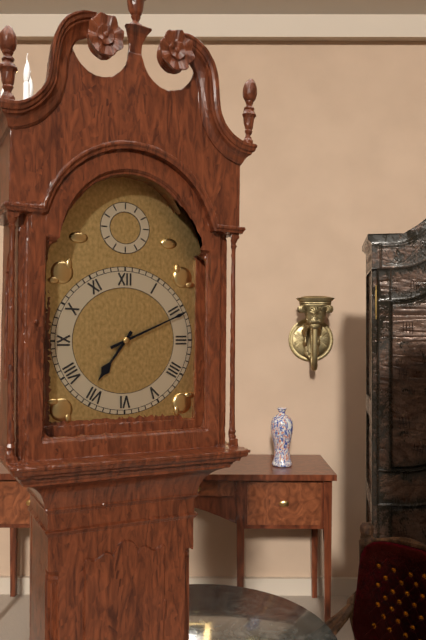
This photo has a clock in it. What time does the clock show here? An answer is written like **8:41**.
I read **7:11**
